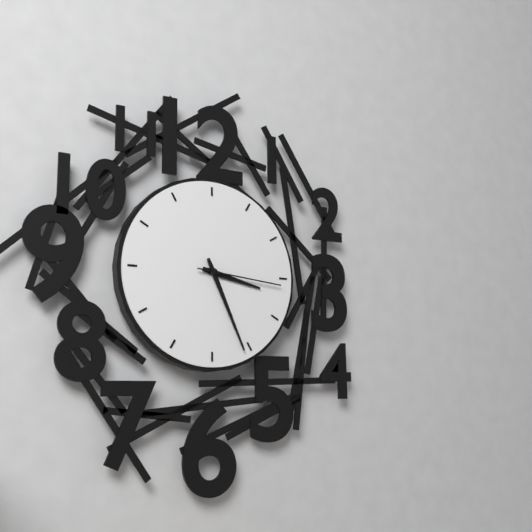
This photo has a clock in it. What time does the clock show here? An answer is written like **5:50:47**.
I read **3:26:16**
